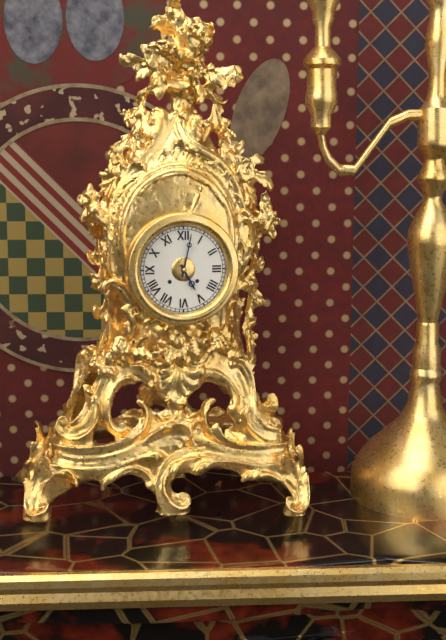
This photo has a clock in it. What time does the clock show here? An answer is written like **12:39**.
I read **5:02**
